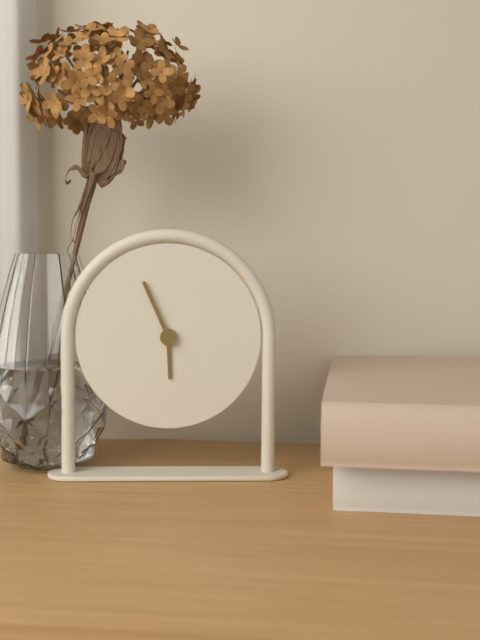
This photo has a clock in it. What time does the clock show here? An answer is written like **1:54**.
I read **5:56**
